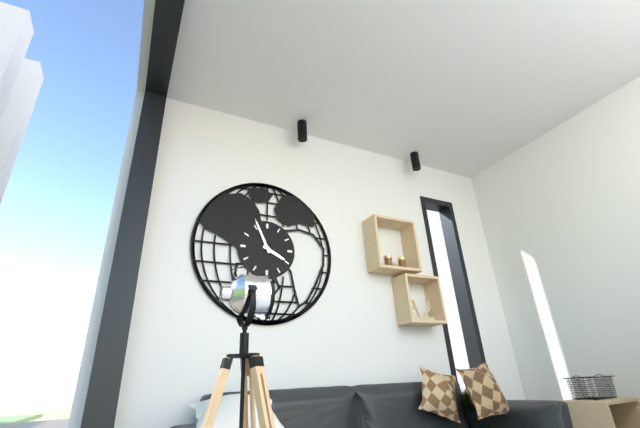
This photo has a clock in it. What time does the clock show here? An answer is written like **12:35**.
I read **3:56**
